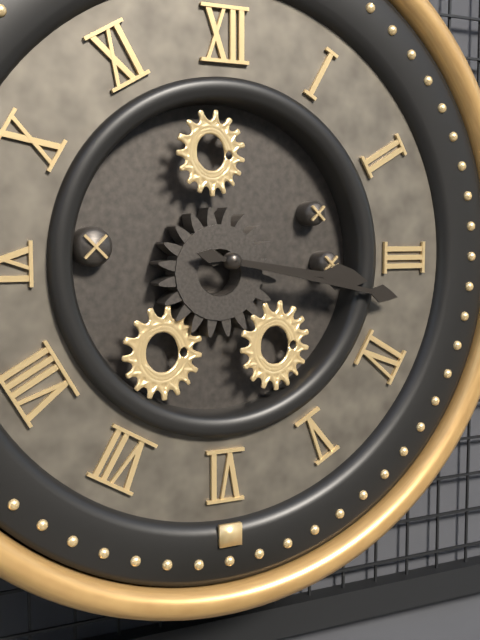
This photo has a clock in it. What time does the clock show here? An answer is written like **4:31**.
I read **3:17**
